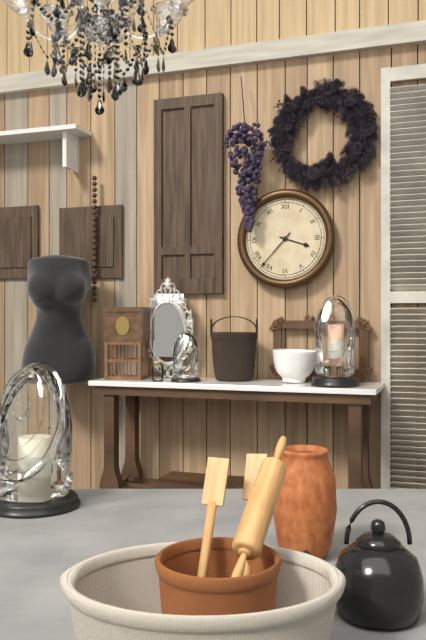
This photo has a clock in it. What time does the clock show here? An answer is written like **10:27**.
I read **3:37**
